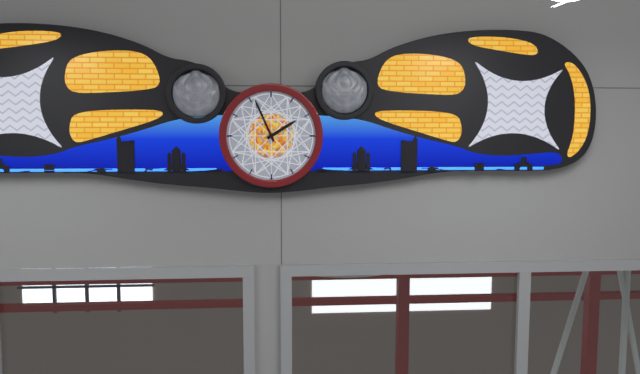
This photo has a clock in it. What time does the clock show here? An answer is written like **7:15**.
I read **1:56**
